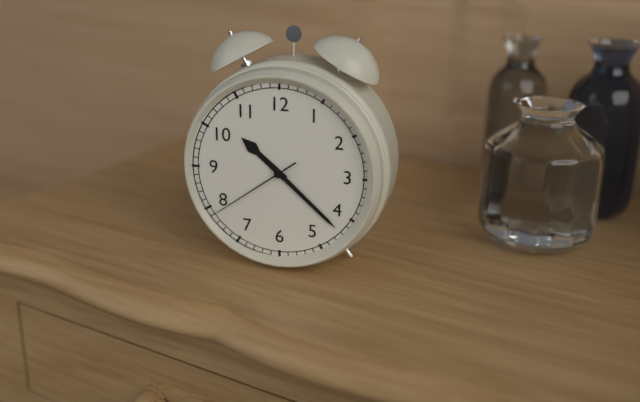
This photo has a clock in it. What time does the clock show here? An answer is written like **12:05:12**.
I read **10:22:39**
